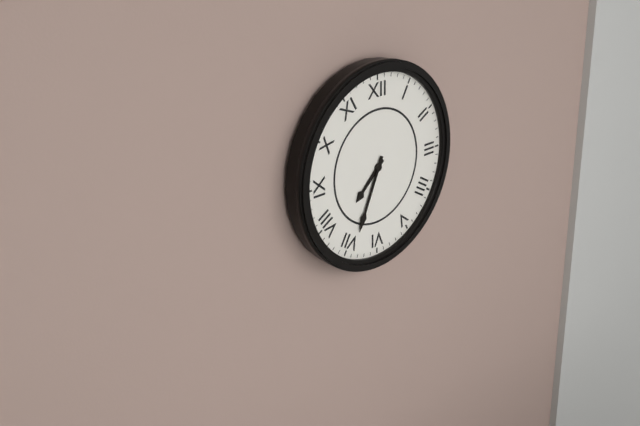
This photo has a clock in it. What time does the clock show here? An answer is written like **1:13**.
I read **7:34**
